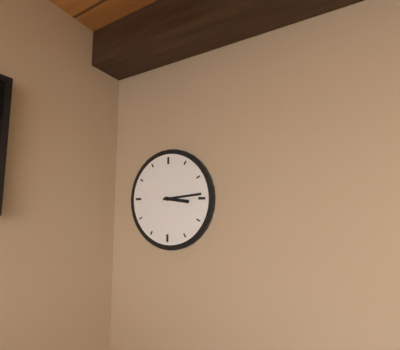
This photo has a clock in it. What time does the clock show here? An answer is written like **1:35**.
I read **3:14**
